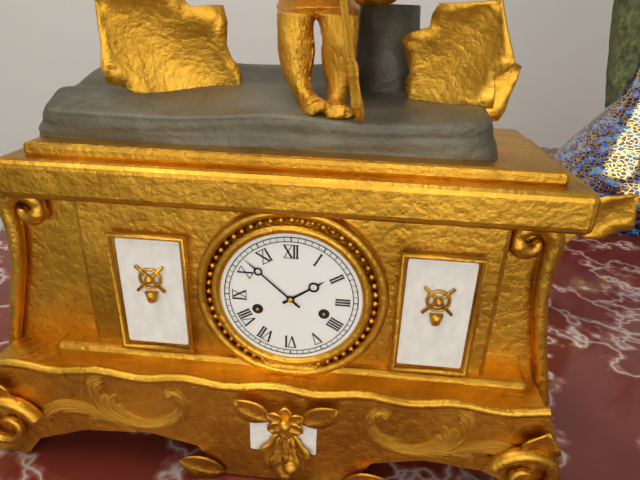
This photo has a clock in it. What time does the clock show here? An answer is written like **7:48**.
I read **1:52**
